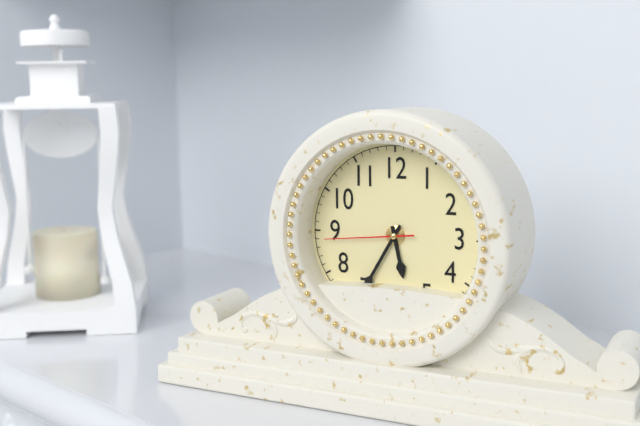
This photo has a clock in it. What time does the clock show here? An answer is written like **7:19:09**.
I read **5:35:44**
